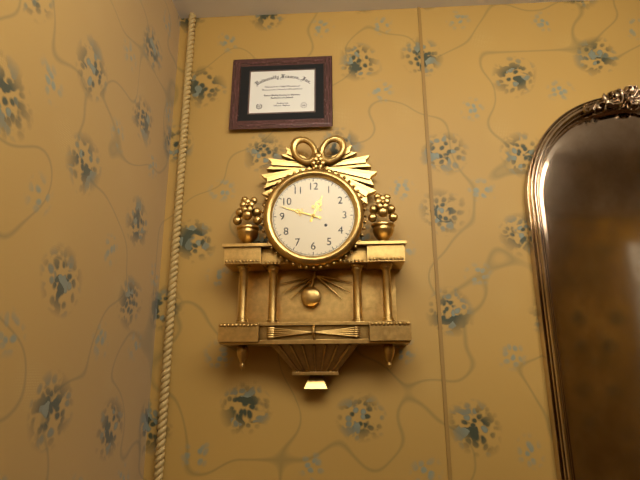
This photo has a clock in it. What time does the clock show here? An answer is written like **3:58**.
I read **12:48**
